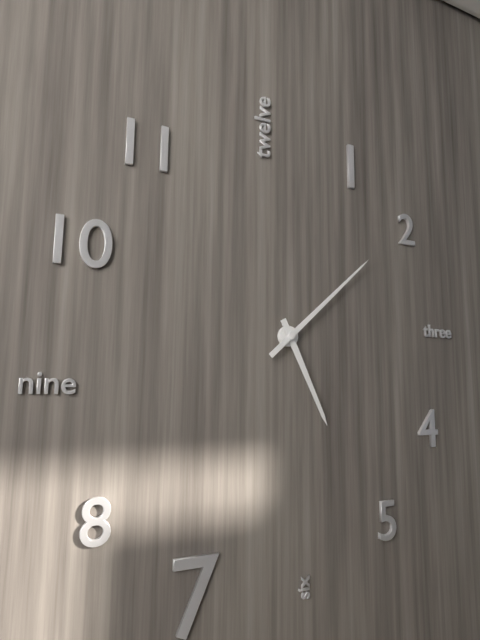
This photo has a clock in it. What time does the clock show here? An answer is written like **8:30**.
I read **5:08**
